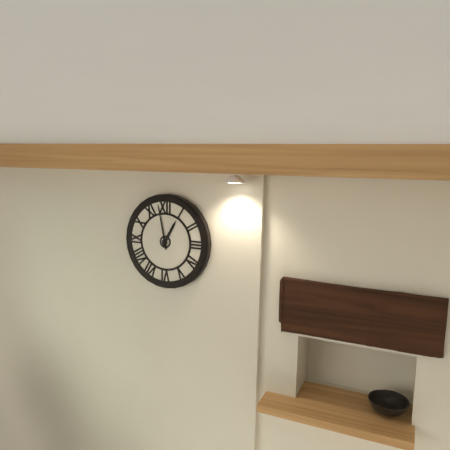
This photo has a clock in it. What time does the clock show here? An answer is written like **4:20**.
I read **12:58**
